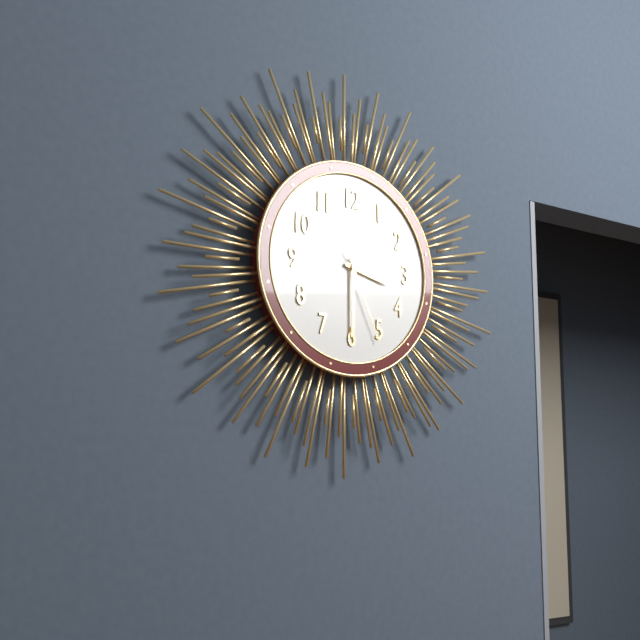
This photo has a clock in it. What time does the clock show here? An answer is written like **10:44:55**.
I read **3:30:26**
